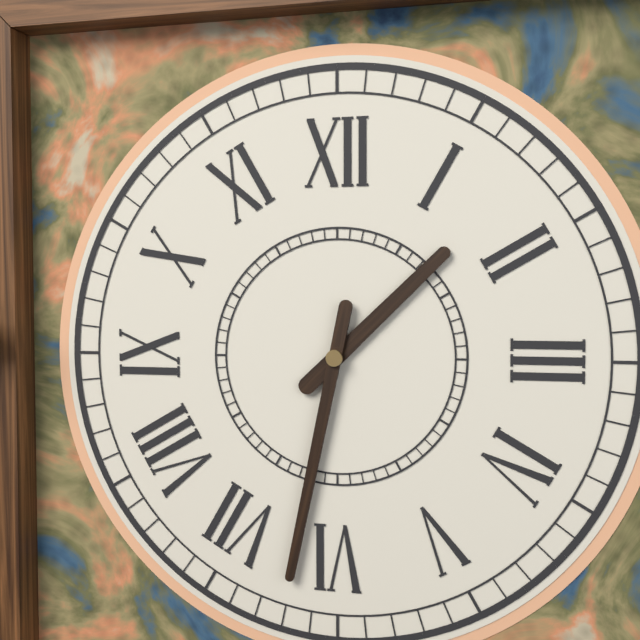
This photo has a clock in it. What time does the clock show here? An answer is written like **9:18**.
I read **1:32**
